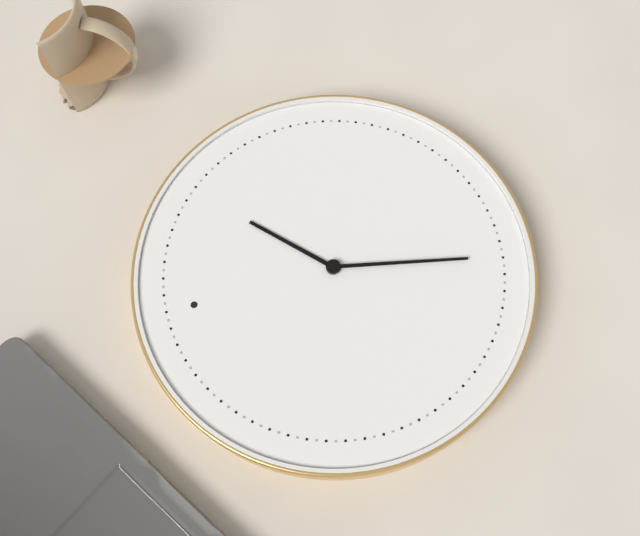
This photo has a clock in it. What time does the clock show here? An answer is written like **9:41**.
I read **1:32**
